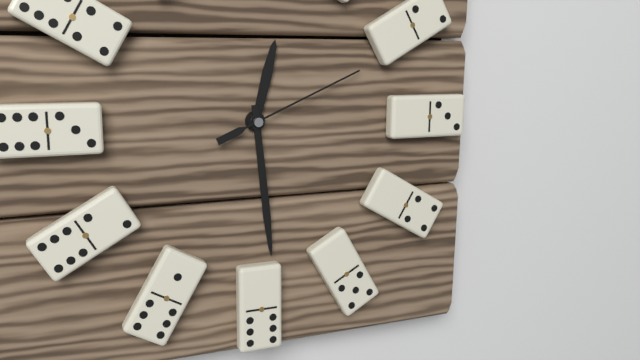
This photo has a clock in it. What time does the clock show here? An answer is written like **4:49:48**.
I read **12:29:11**
